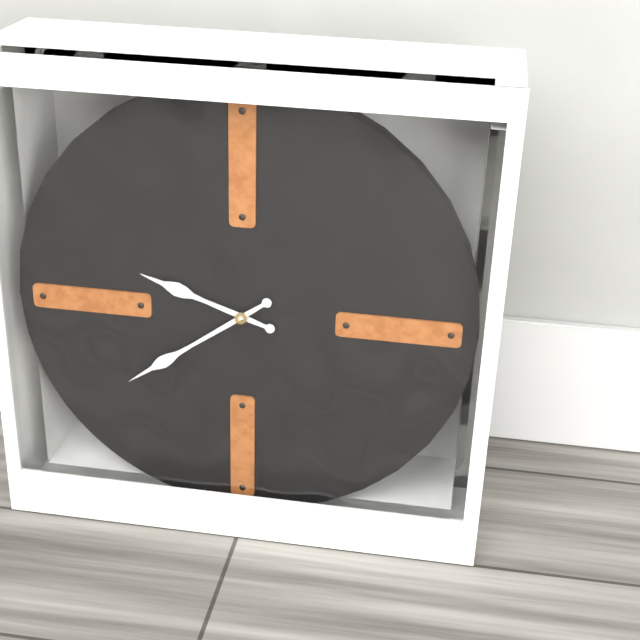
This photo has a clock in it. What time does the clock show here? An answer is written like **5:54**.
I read **9:39**
